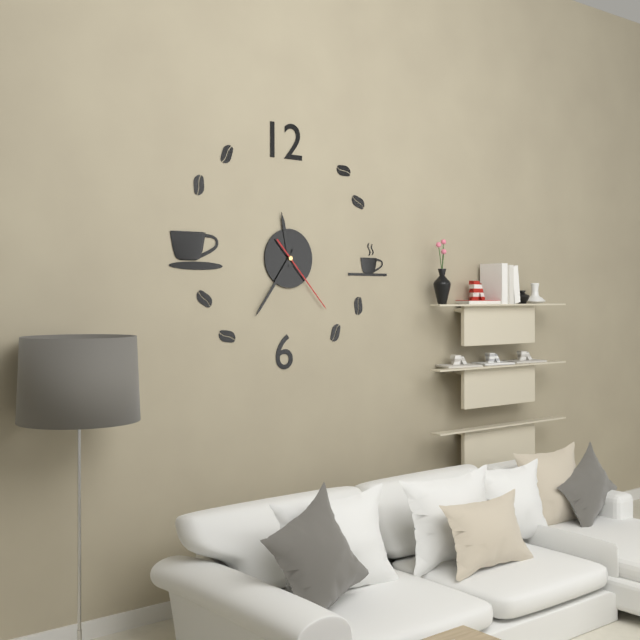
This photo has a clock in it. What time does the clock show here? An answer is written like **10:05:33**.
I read **11:36:23**
